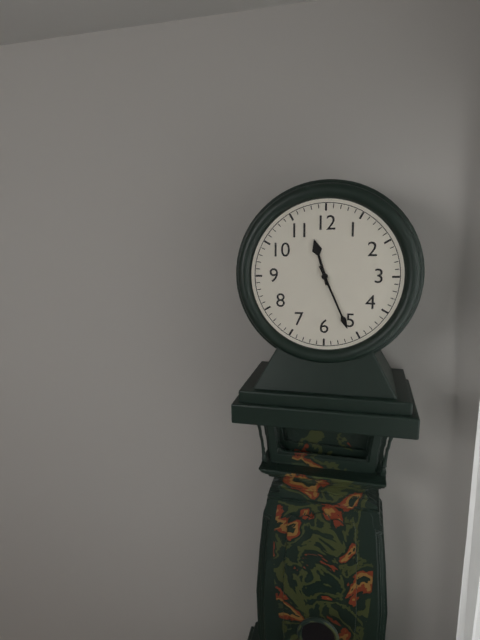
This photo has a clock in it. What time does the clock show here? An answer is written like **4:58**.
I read **11:26**
